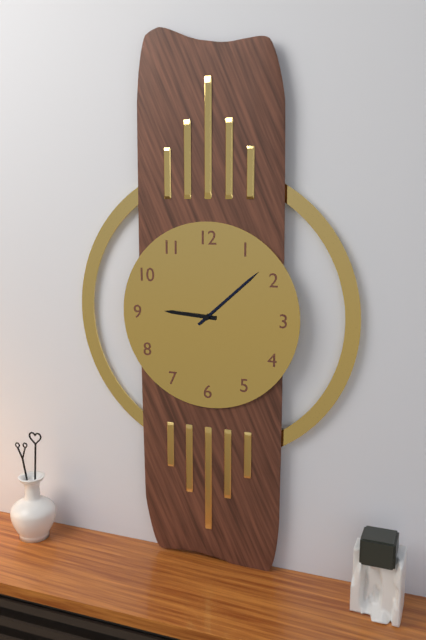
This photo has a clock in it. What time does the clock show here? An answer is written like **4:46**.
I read **9:08**
